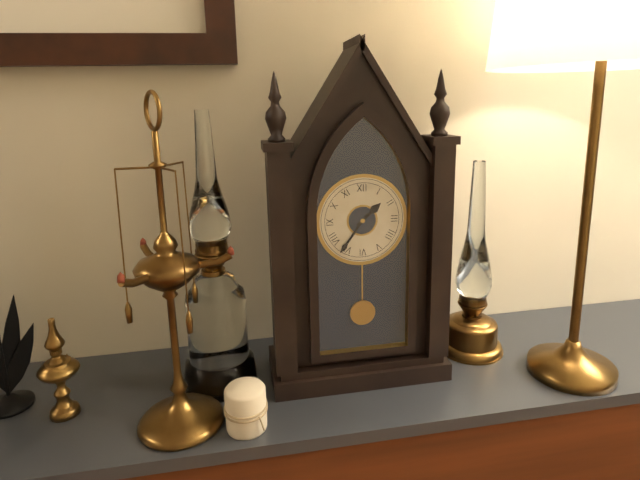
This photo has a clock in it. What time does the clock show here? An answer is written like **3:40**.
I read **1:36**
